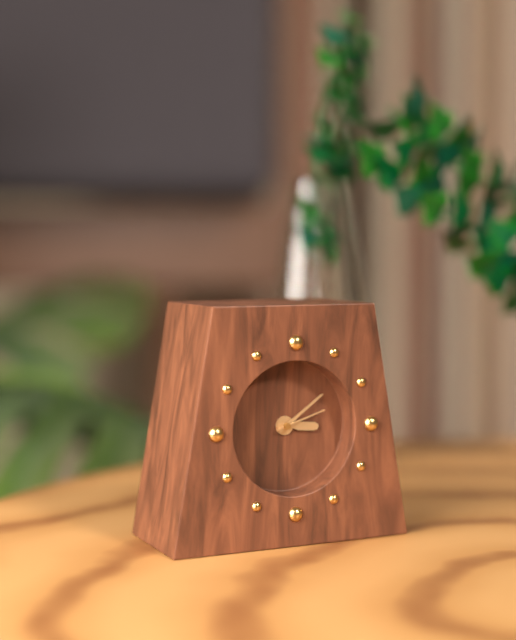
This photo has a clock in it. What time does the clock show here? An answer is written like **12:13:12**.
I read **3:09:12**
